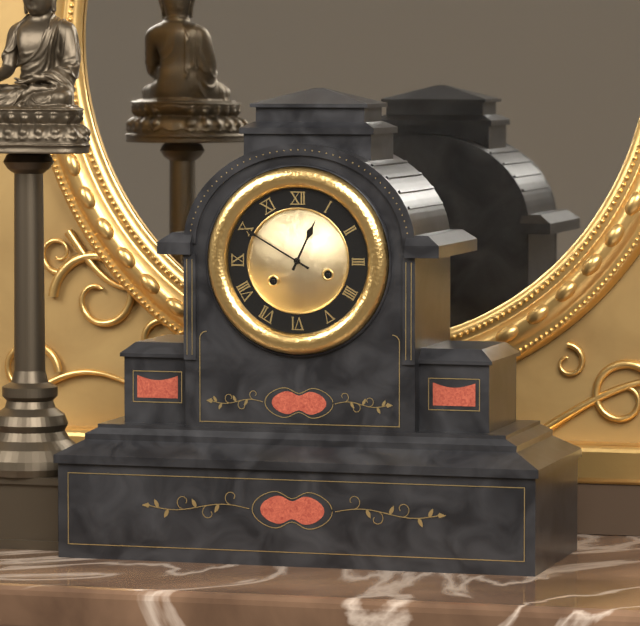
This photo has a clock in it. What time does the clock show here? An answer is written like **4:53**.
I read **12:50**
